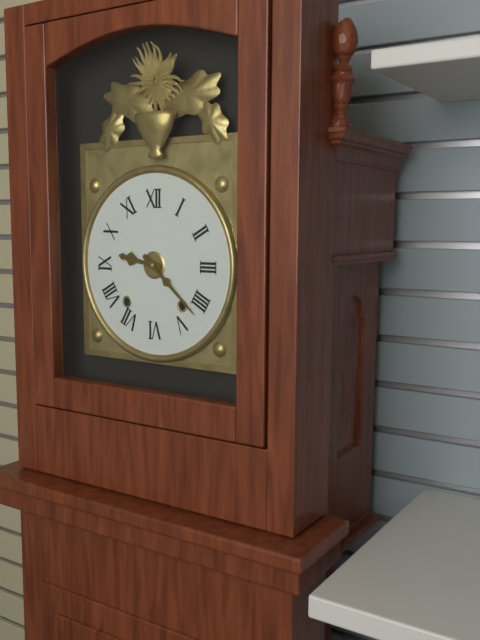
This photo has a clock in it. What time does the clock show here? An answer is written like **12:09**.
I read **9:22**
